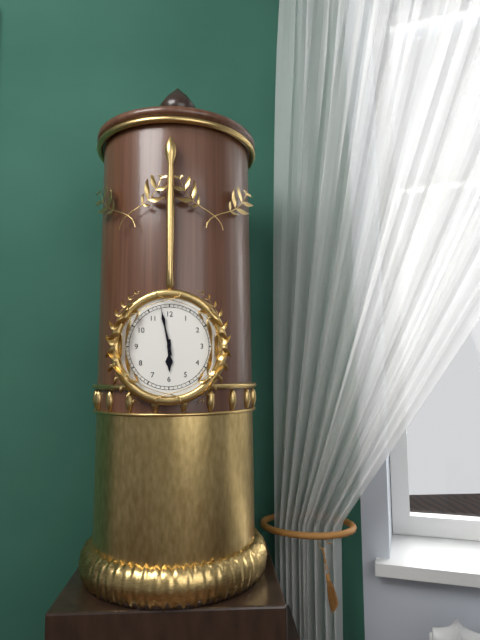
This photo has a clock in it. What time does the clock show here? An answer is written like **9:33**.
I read **5:58**
